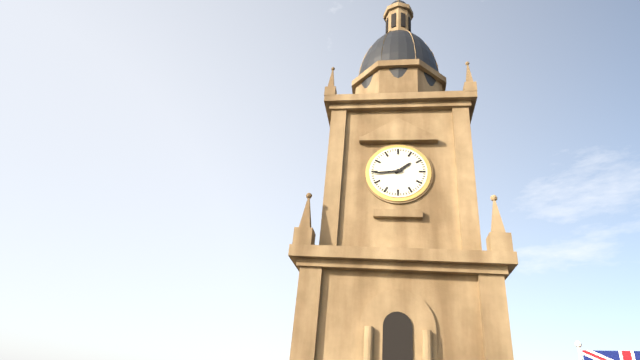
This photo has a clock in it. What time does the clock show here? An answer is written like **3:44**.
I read **1:44**
